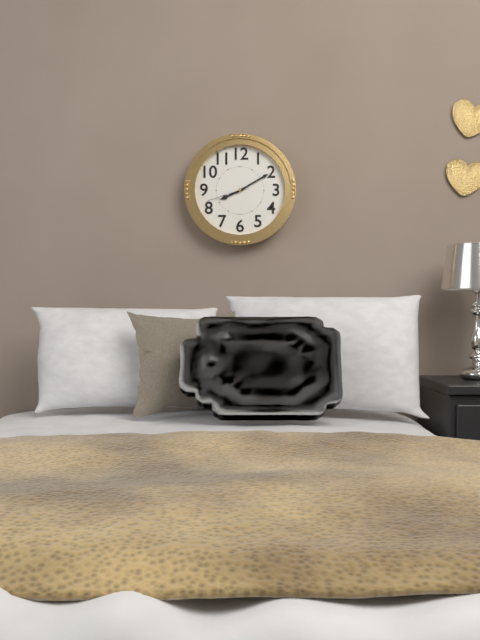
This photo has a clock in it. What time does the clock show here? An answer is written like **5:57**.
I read **8:10**
